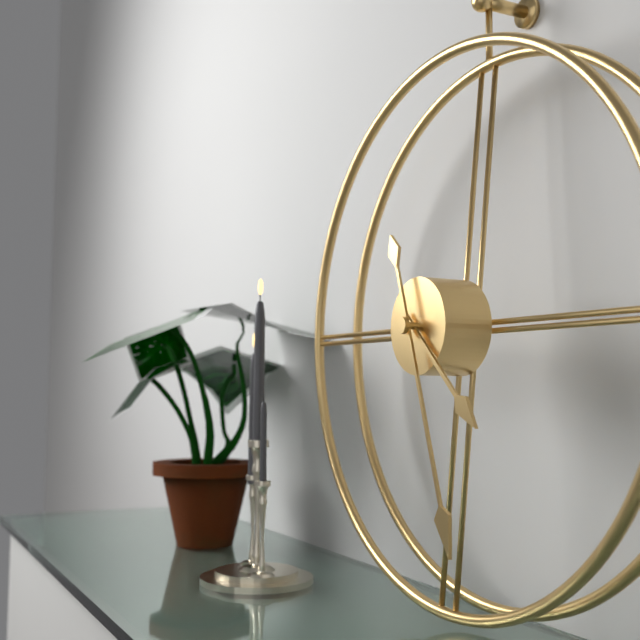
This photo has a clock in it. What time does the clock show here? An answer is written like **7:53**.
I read **4:27**
